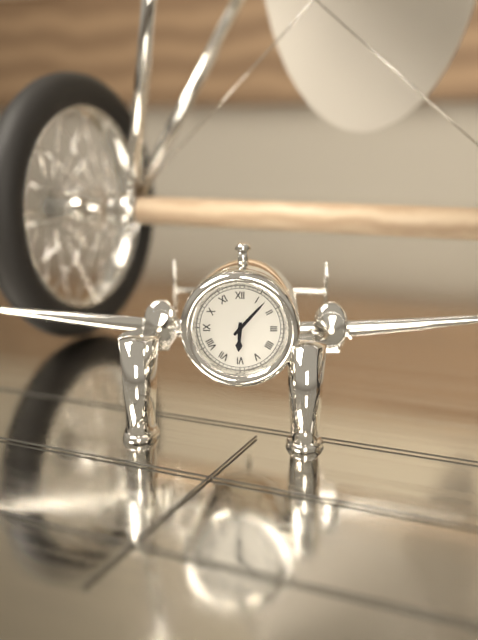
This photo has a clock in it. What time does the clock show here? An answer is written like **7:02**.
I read **6:07**
